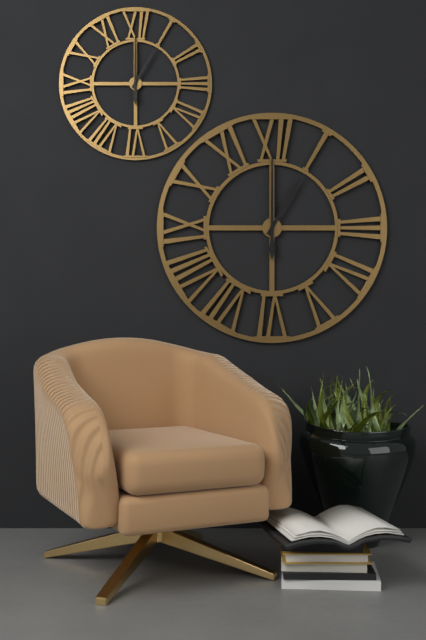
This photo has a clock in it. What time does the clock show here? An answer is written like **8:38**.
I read **1:00**
